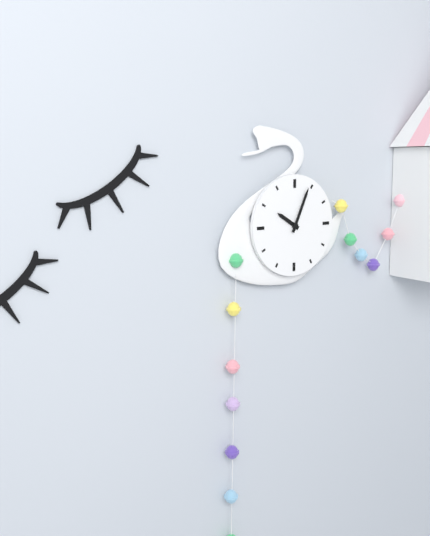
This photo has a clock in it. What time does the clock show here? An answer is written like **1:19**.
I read **10:04**
